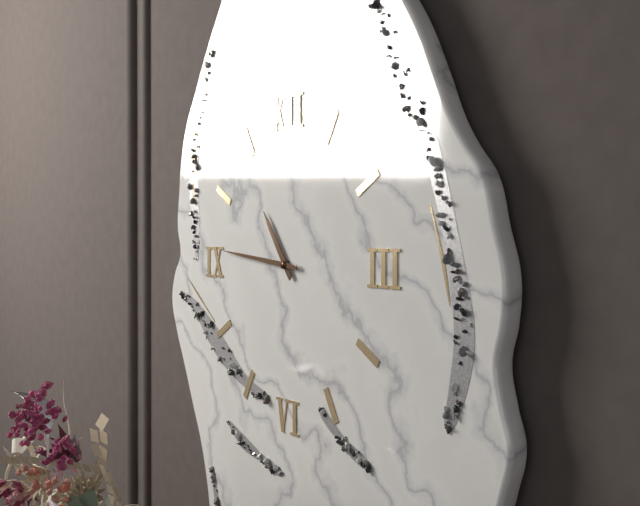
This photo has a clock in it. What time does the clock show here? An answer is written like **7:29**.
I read **10:46**
